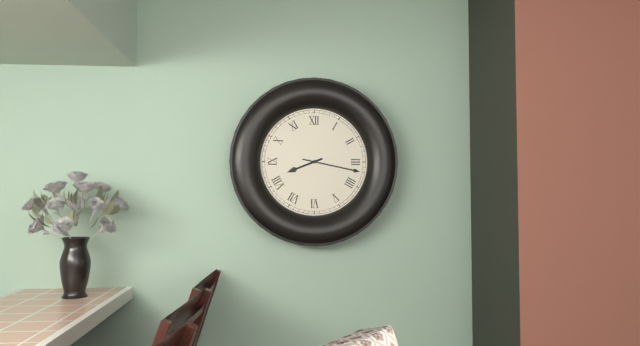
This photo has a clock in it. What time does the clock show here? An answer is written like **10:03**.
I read **8:17**
